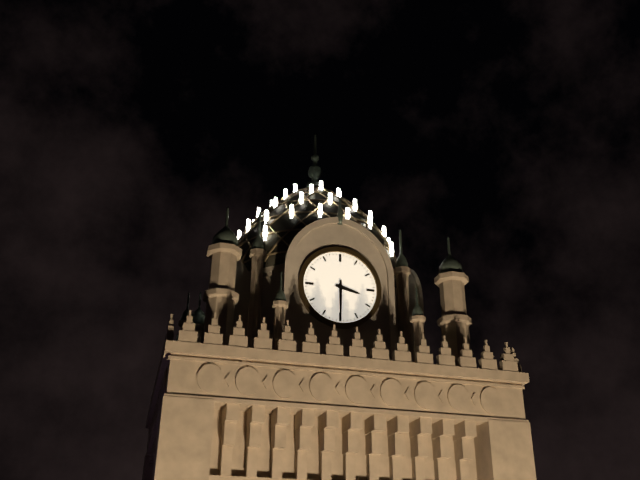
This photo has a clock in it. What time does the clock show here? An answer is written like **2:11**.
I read **3:30**
